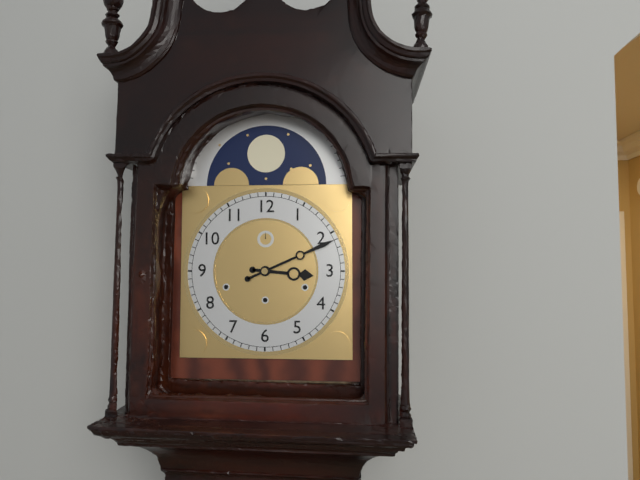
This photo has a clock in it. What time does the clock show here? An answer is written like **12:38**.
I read **3:11**
